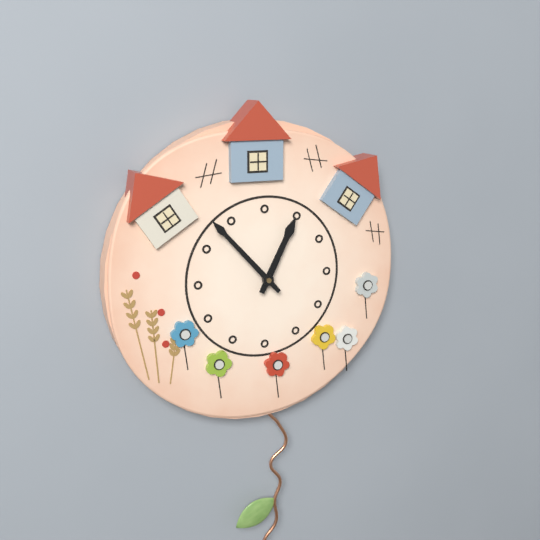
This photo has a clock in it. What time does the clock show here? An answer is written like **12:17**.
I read **12:53**
